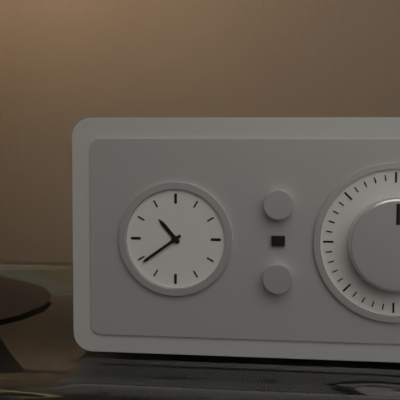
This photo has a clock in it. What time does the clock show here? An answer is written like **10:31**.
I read **10:39**
